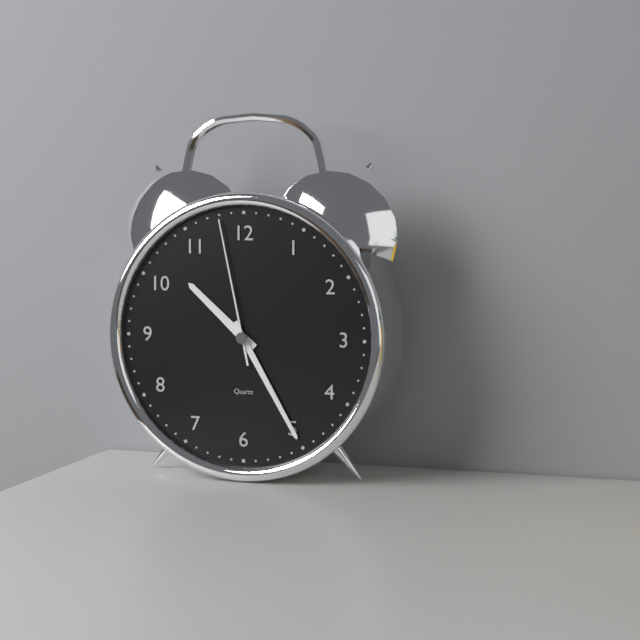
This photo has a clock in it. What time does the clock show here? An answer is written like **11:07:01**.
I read **10:25:58**
